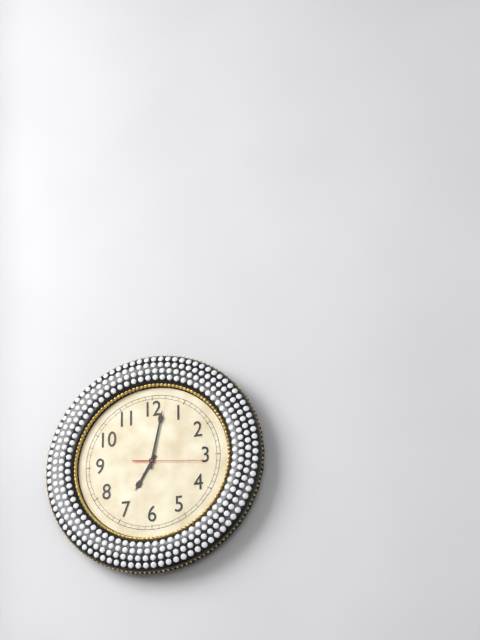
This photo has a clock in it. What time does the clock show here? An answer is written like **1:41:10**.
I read **7:02:16**
